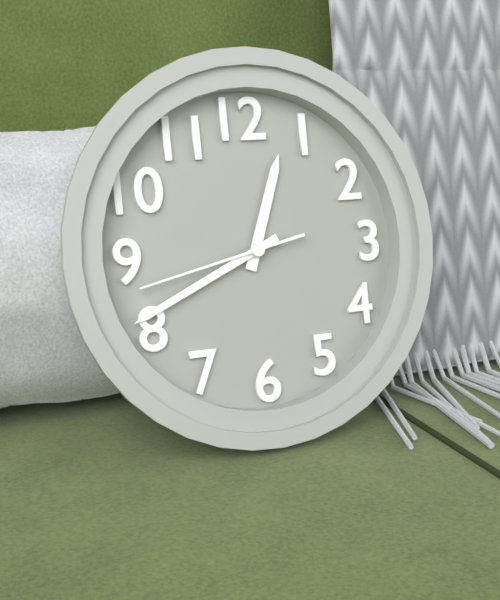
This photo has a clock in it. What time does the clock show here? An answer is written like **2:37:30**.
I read **12:41:43**
